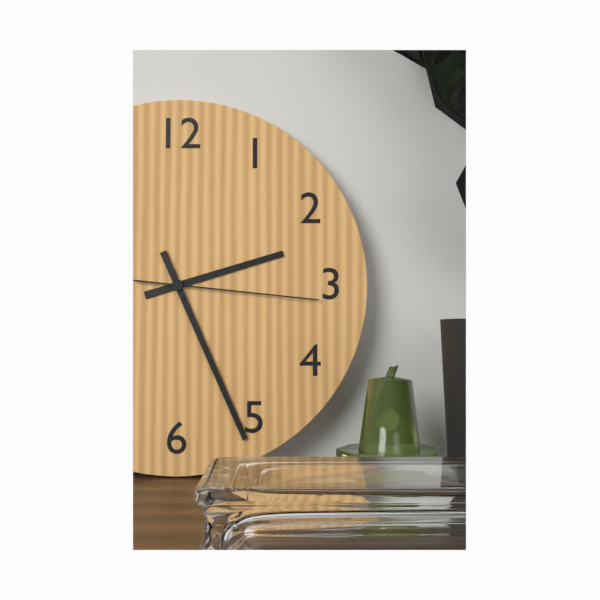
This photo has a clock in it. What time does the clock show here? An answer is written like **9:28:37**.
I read **2:26:16**
